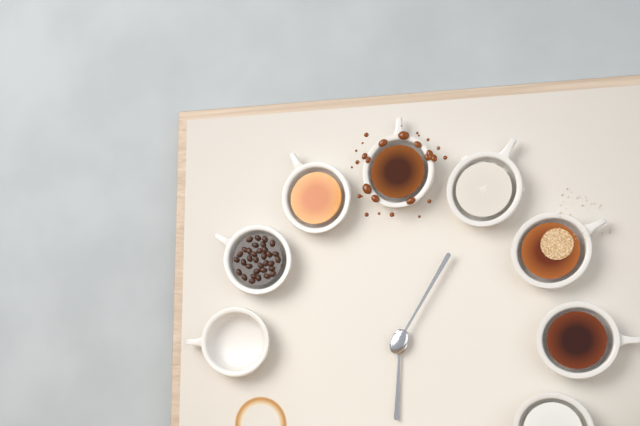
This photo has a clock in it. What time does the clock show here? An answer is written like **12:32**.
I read **6:05**
